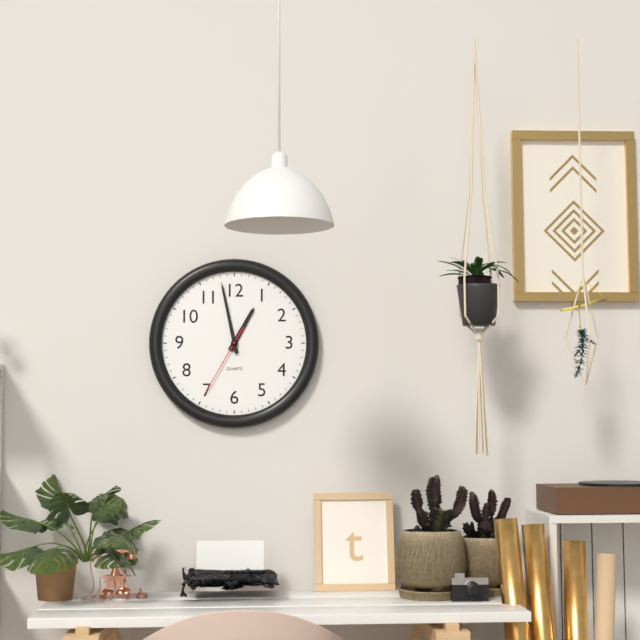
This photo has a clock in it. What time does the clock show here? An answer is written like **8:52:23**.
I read **12:58:35**
